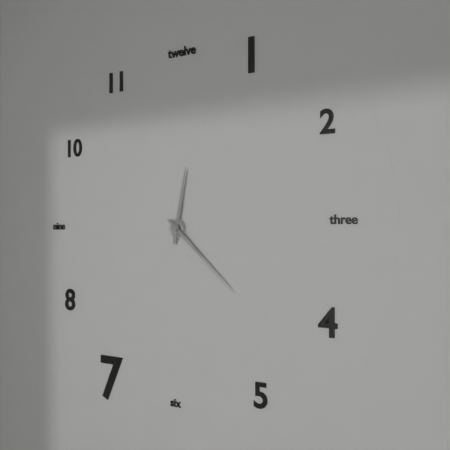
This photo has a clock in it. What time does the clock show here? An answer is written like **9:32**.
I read **12:22**
